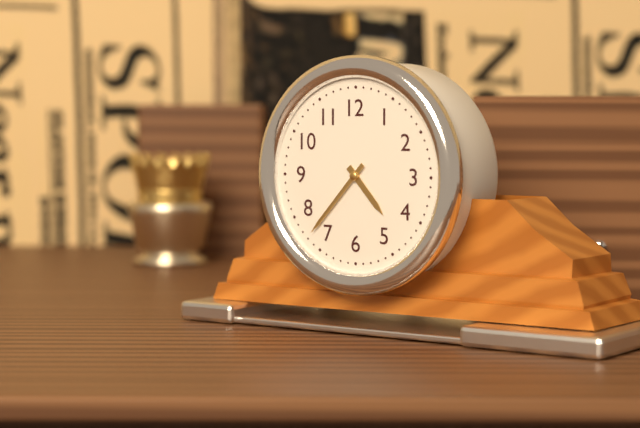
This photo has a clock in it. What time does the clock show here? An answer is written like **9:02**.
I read **4:37**
